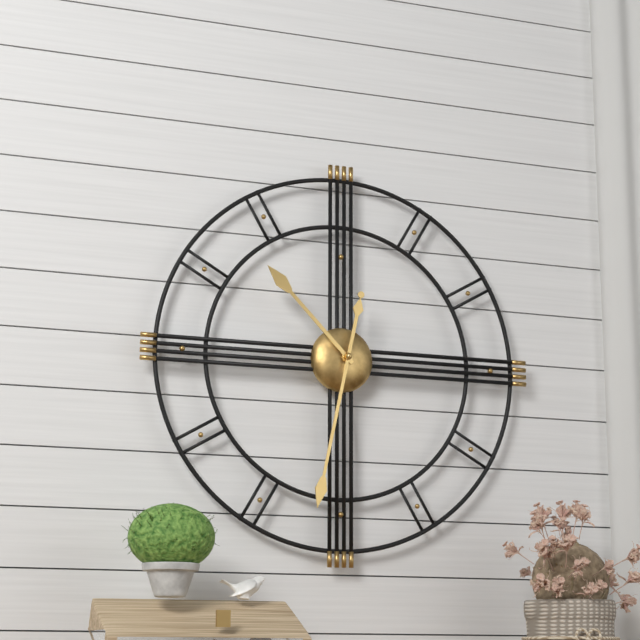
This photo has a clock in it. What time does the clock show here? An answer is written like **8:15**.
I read **10:32**
